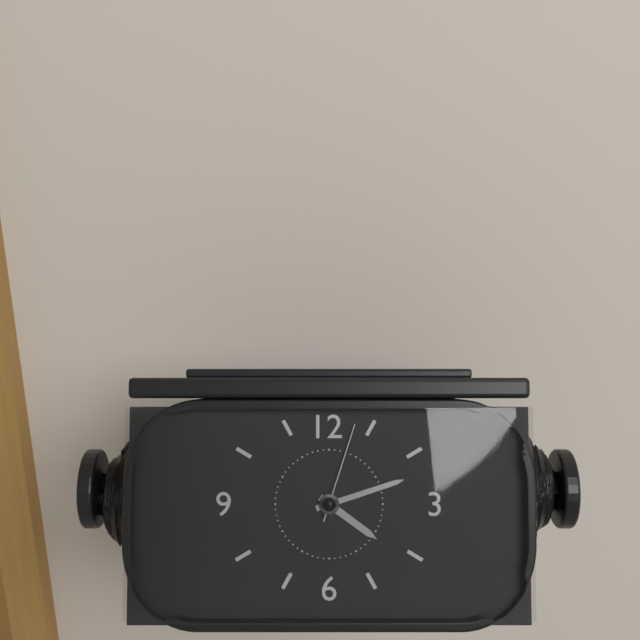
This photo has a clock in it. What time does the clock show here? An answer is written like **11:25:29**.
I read **4:12:03**
